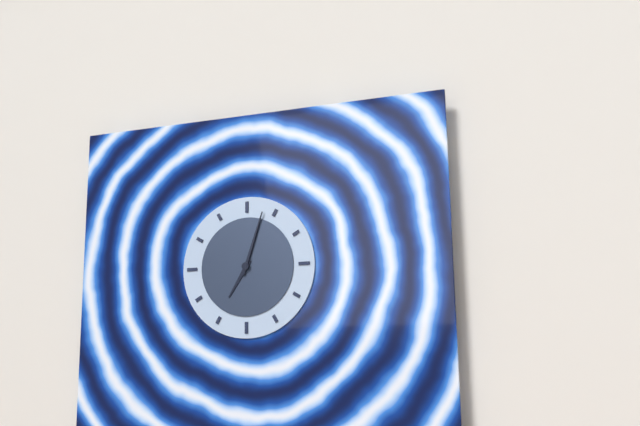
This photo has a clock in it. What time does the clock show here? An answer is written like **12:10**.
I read **7:03**
